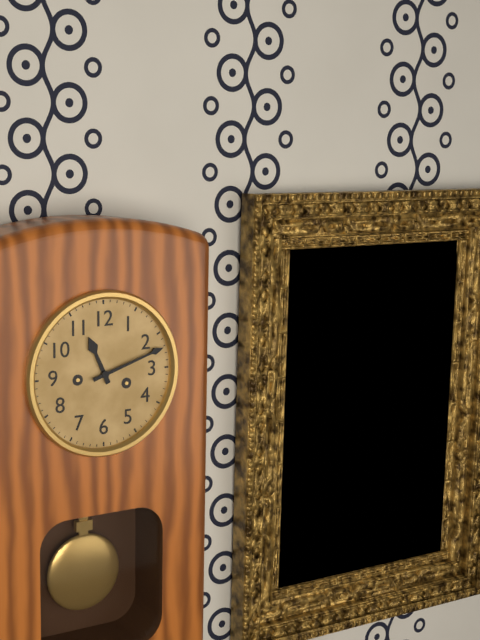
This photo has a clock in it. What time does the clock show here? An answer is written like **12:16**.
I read **11:12**
